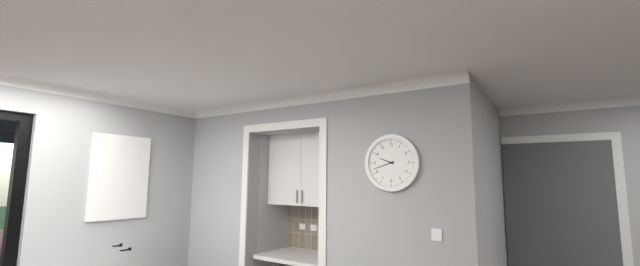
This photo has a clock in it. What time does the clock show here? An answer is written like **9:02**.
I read **9:42**
